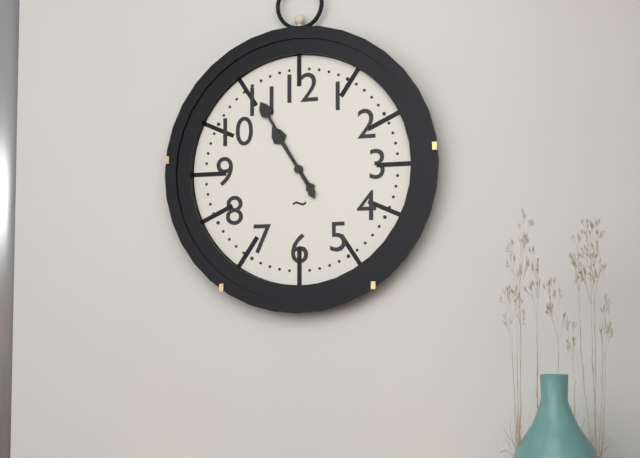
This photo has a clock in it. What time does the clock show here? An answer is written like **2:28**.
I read **10:55**
